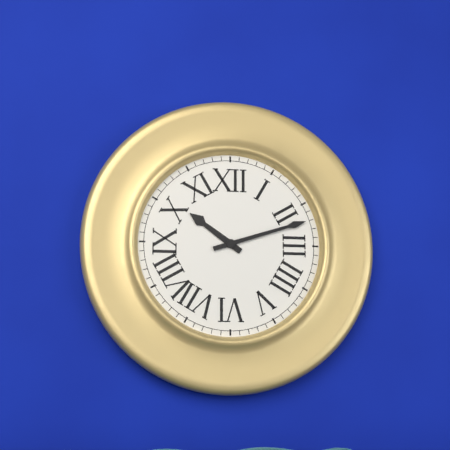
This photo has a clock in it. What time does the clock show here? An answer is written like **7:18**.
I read **10:12**
